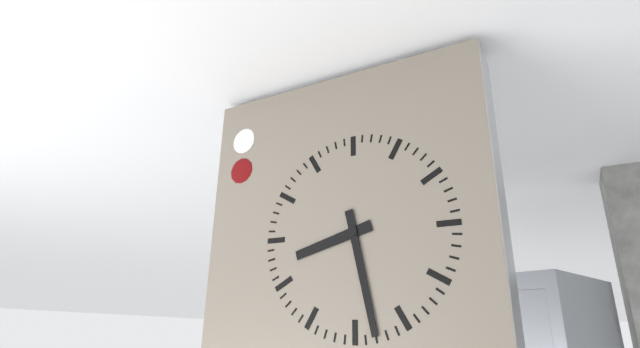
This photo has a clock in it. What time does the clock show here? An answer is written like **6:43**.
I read **8:28**
